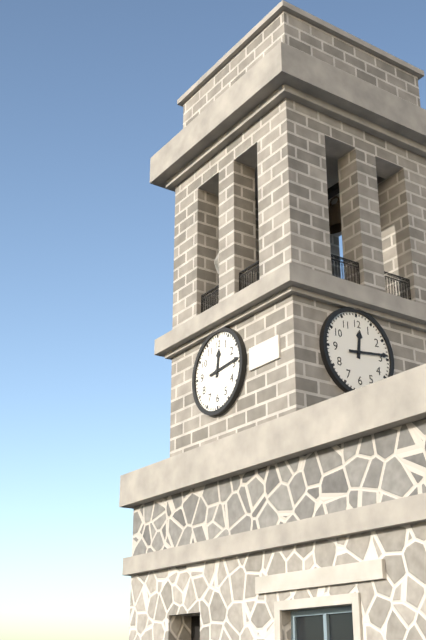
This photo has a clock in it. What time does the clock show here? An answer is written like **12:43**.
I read **12:14**
